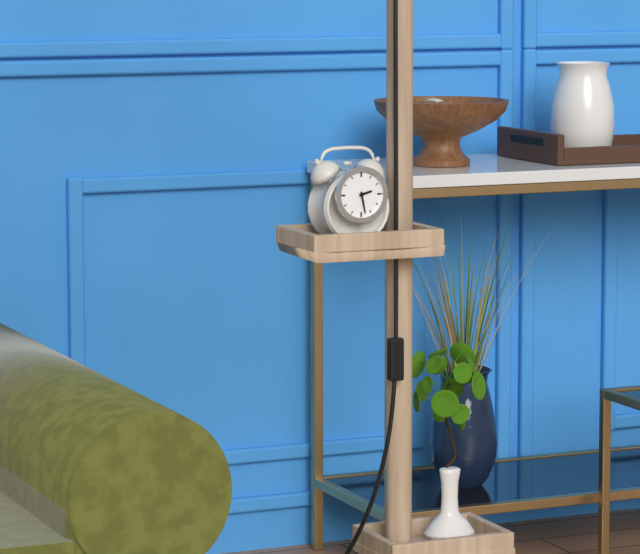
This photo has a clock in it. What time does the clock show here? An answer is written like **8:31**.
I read **2:28**
